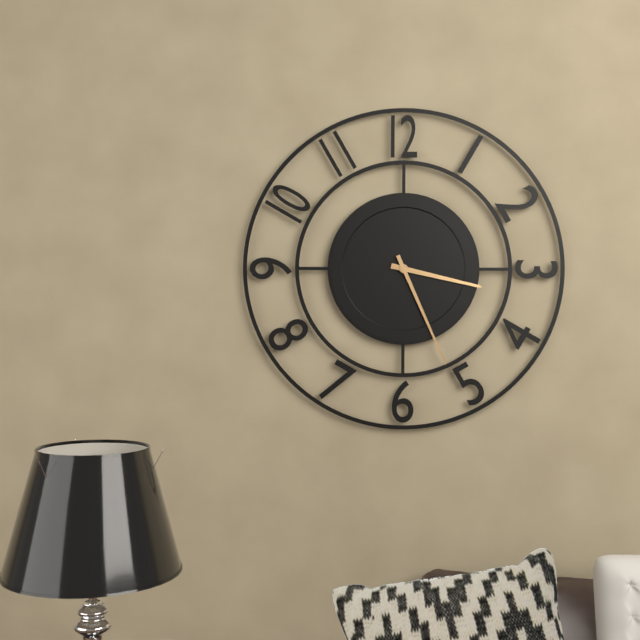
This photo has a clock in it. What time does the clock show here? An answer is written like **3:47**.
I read **3:26**
